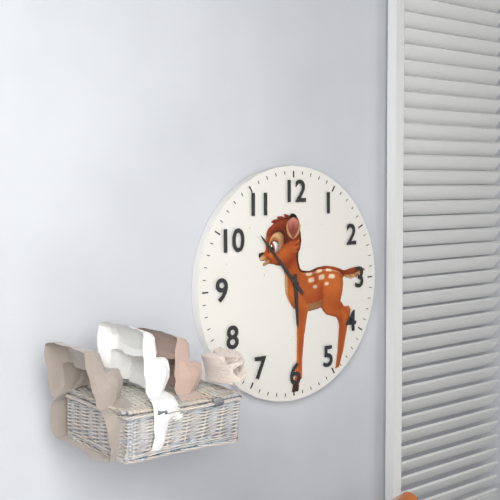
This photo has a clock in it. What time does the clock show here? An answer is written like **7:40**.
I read **5:53**
